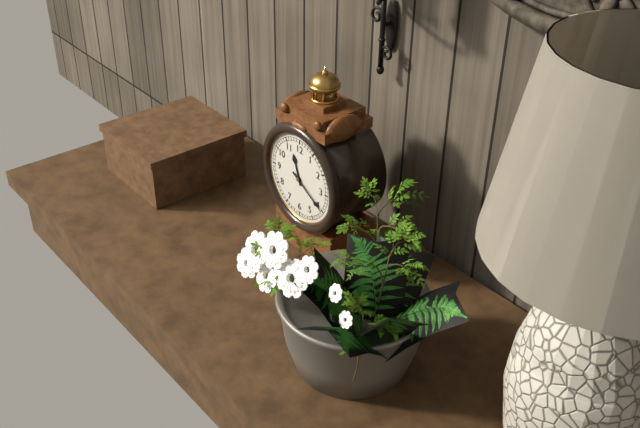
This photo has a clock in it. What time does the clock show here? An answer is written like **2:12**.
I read **11:20**
